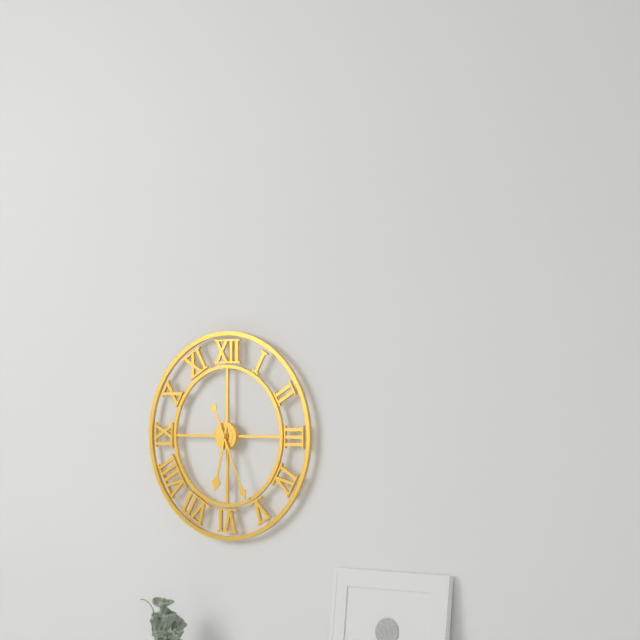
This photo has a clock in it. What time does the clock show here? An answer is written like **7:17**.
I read **6:26**
